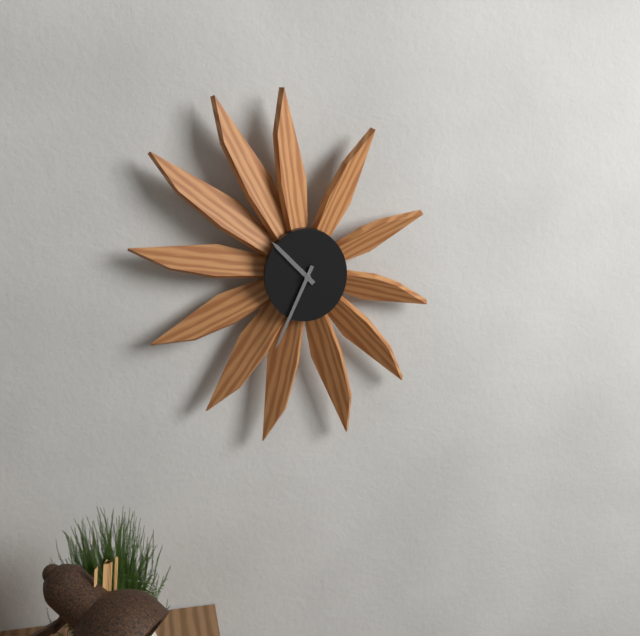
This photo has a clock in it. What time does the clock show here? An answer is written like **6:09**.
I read **10:34**
